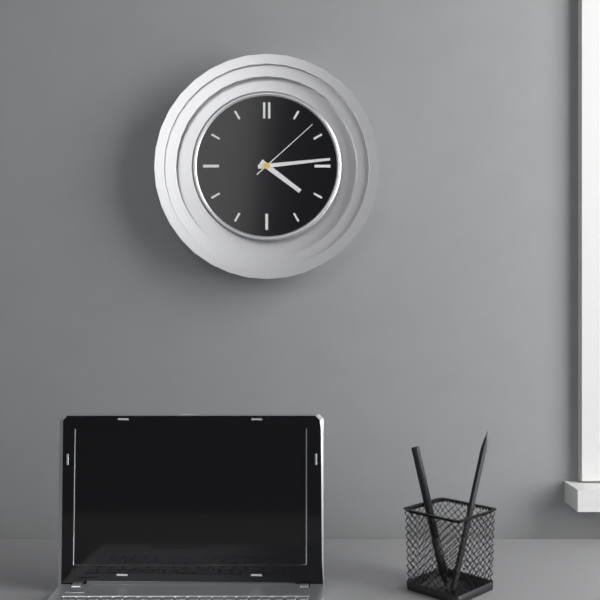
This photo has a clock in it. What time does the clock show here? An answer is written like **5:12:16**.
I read **4:14:08**
